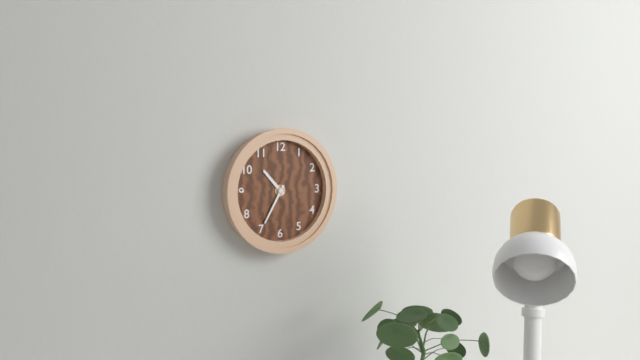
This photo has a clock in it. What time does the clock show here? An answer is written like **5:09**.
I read **10:35**
